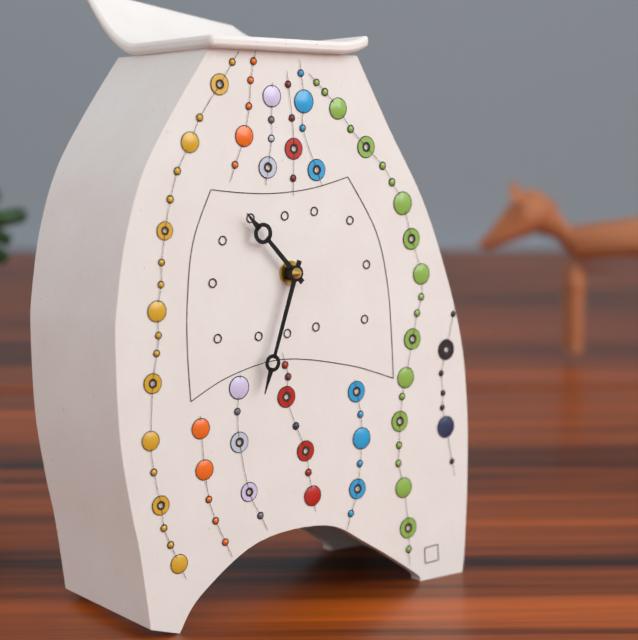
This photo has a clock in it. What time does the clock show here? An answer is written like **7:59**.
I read **10:33**
